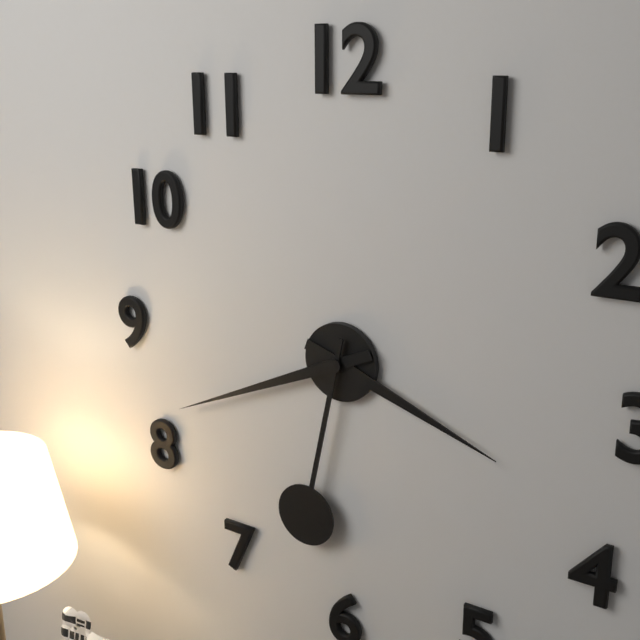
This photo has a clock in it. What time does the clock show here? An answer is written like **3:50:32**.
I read **3:41:32**
